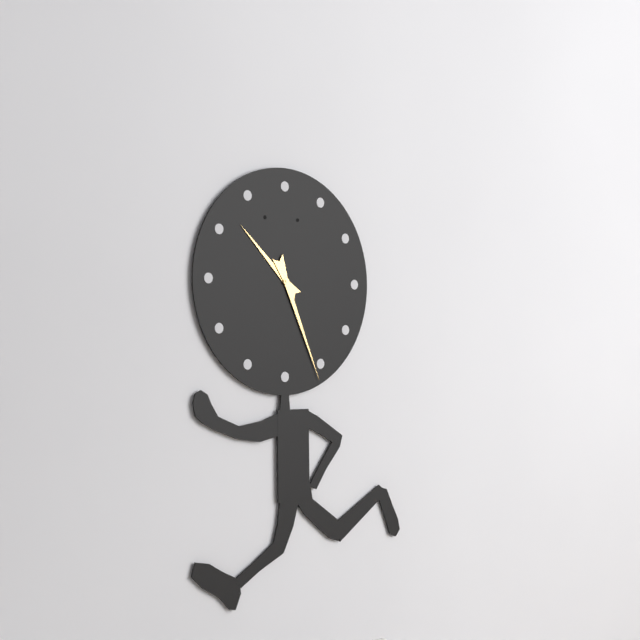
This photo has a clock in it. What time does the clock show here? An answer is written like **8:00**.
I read **10:26**
